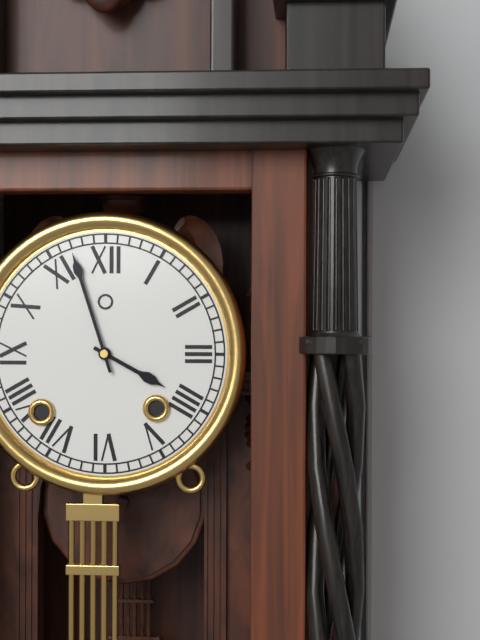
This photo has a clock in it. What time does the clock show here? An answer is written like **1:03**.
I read **3:57**
